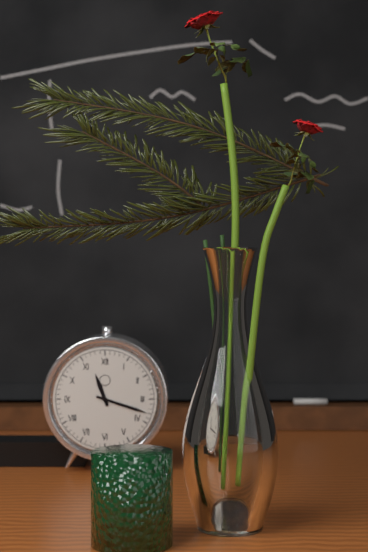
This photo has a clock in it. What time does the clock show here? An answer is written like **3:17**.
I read **11:18**
